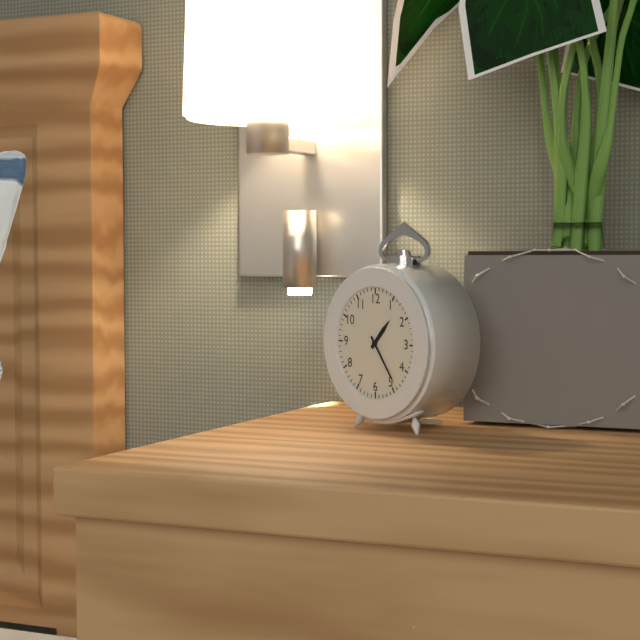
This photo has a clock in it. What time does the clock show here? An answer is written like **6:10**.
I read **1:24**
